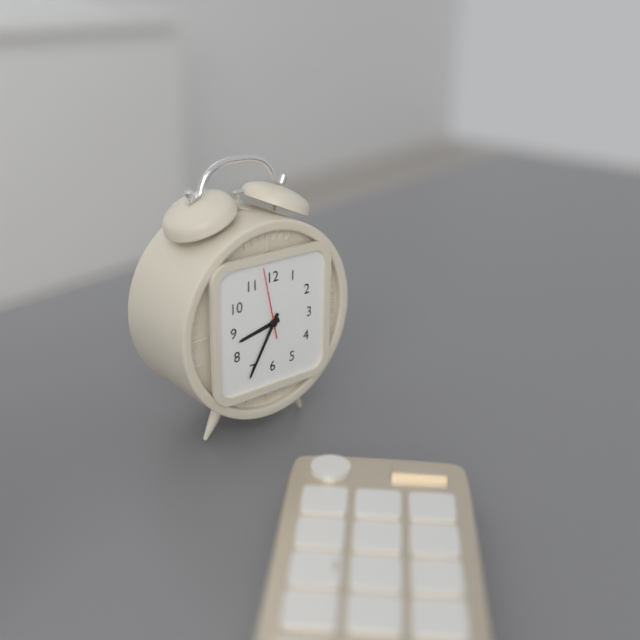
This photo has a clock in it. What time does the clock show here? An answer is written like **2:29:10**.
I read **8:35:58**
